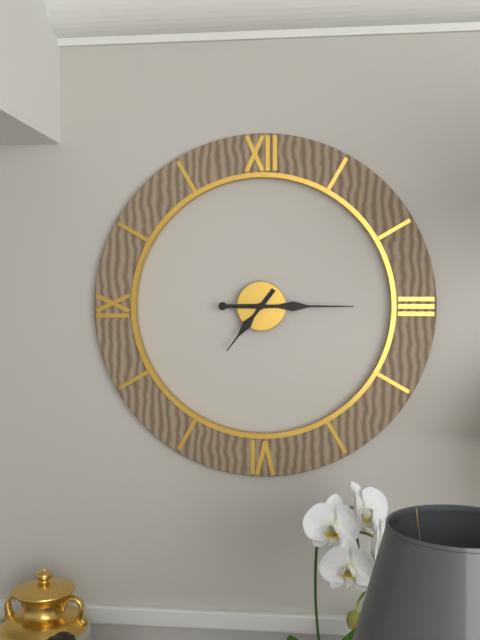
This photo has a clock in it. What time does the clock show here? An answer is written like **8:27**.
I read **7:15**
